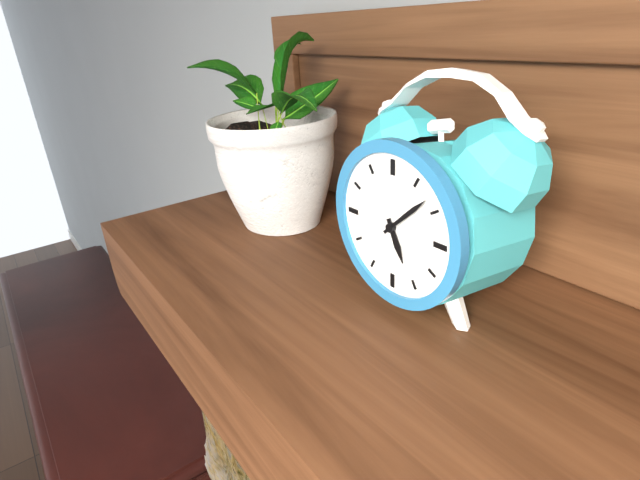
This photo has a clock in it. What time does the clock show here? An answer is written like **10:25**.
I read **5:08**
